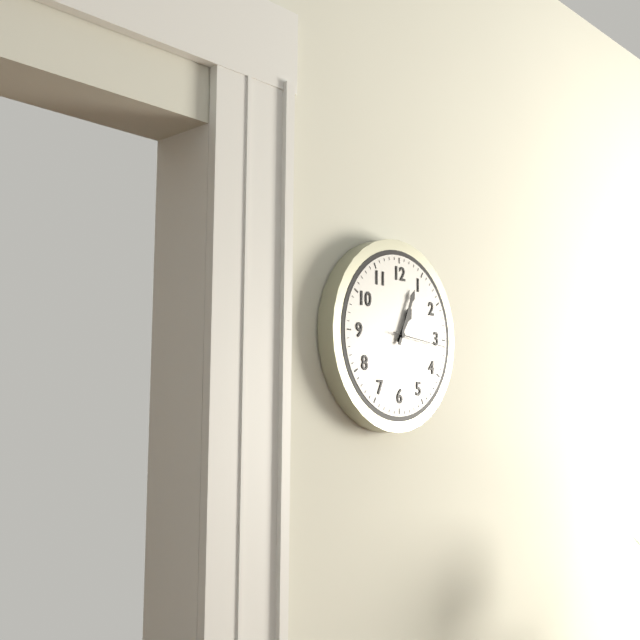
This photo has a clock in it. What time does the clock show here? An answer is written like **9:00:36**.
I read **1:04:16**
